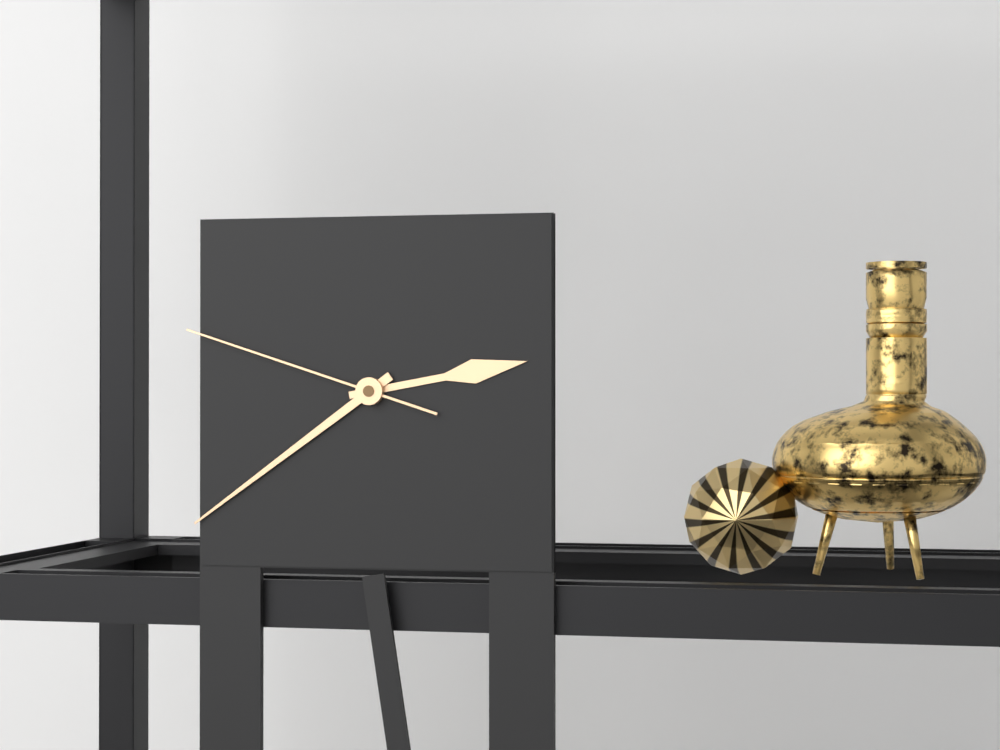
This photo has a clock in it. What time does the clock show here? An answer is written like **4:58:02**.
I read **2:39:48**
